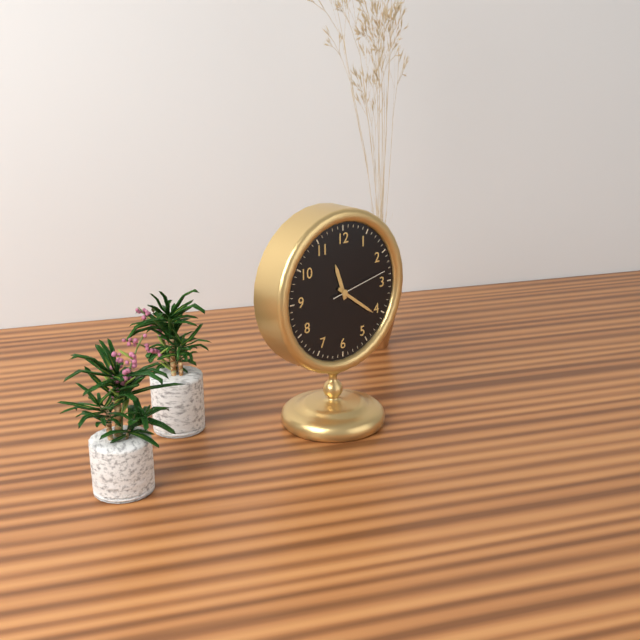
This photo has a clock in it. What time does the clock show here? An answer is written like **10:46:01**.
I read **11:21:13**
